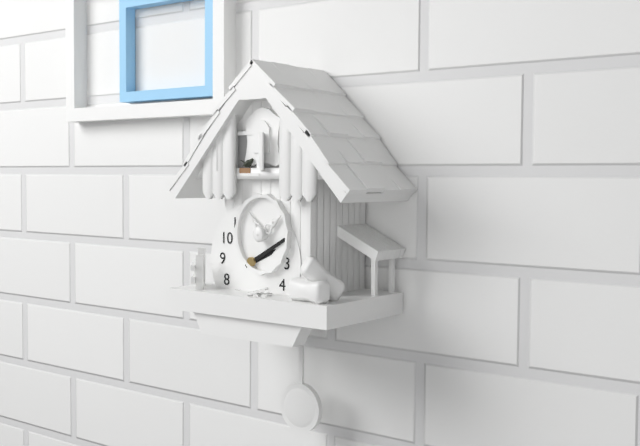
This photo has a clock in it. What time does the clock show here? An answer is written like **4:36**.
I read **2:10**
